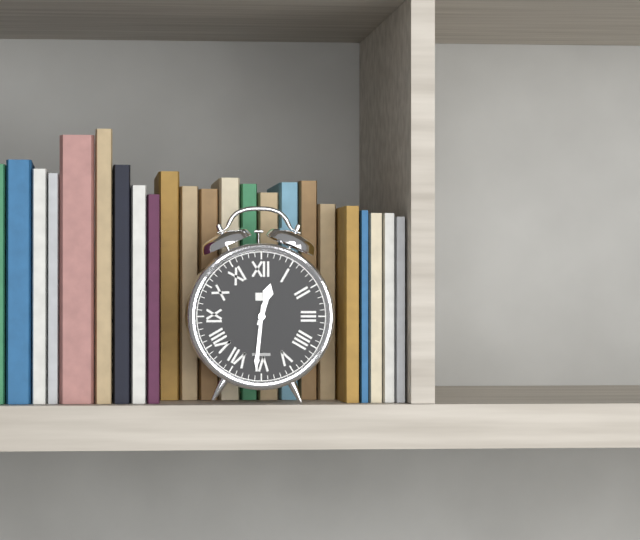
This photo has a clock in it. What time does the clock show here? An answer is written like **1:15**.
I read **12:31**
